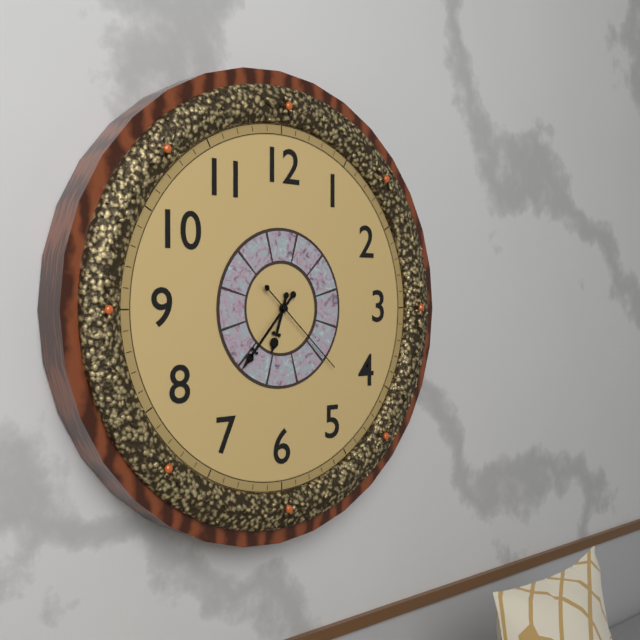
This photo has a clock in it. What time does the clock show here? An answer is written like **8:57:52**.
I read **6:37:22**
